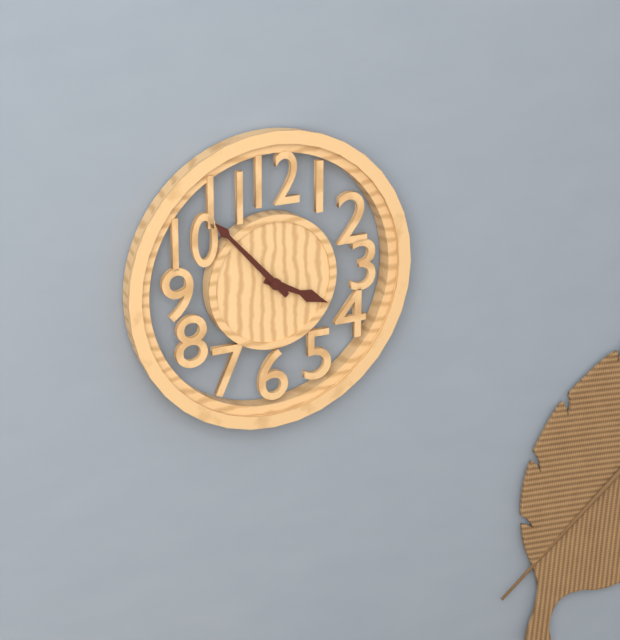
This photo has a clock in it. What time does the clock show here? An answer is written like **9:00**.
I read **3:53**
